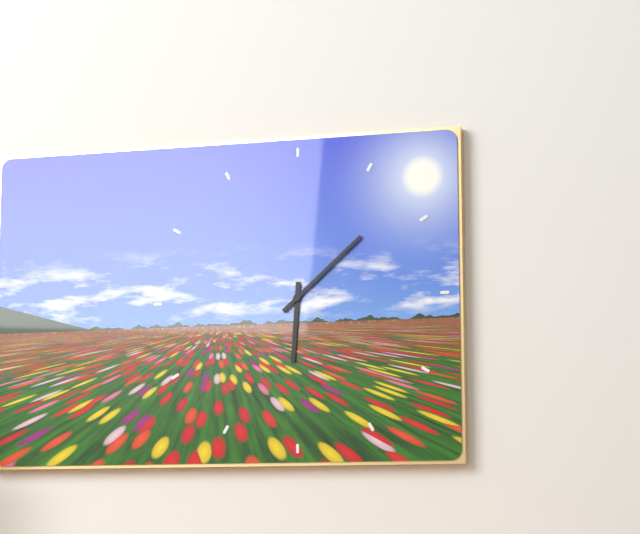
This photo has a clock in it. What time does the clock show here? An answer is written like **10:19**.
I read **6:08**
